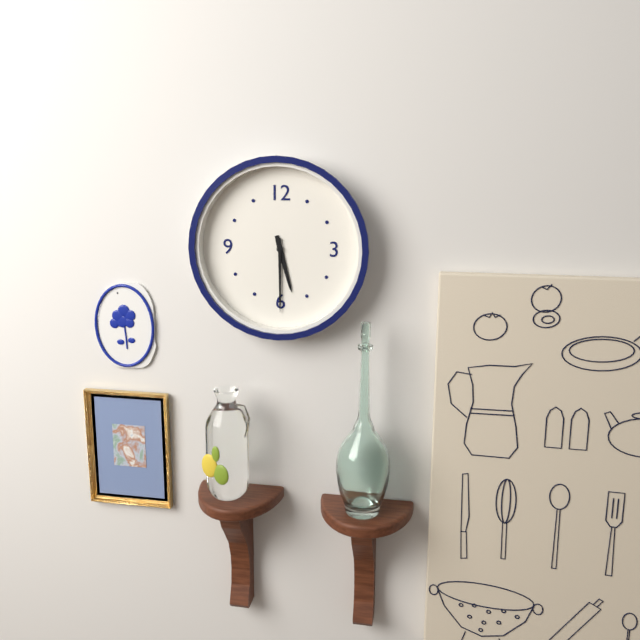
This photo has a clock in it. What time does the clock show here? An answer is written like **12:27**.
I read **5:30**
